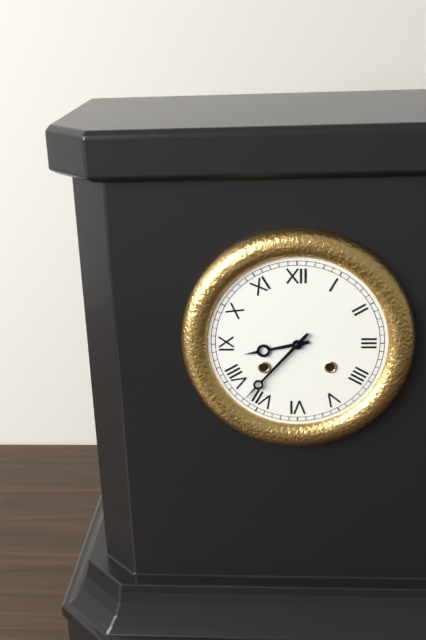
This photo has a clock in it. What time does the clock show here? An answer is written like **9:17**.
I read **8:37**
